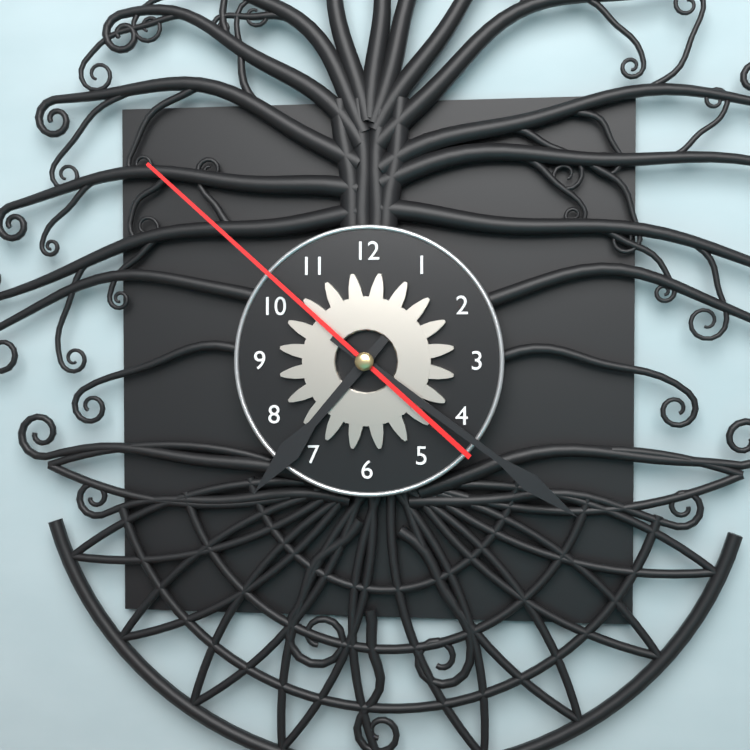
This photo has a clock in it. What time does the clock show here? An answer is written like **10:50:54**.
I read **7:21:52**
